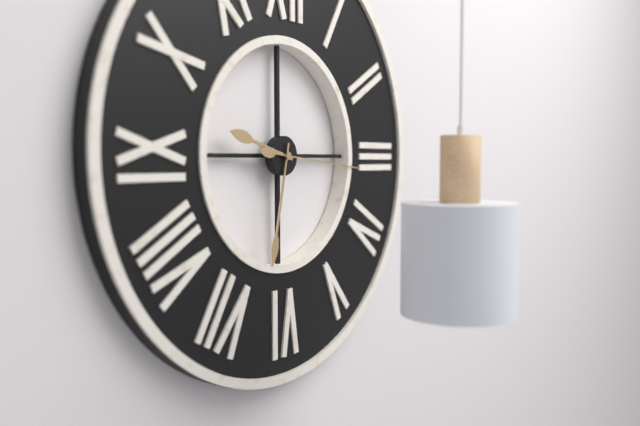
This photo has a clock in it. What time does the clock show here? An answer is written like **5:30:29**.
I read **9:32:16**
